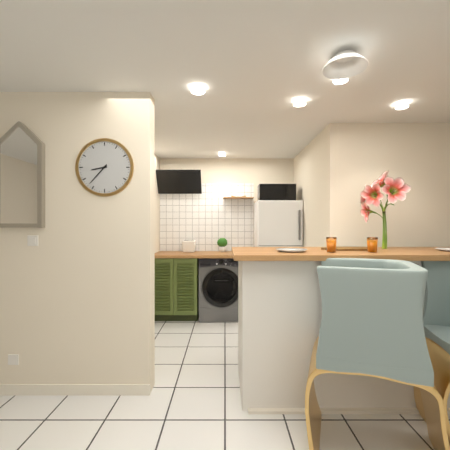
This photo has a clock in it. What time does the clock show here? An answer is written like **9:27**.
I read **8:37**
